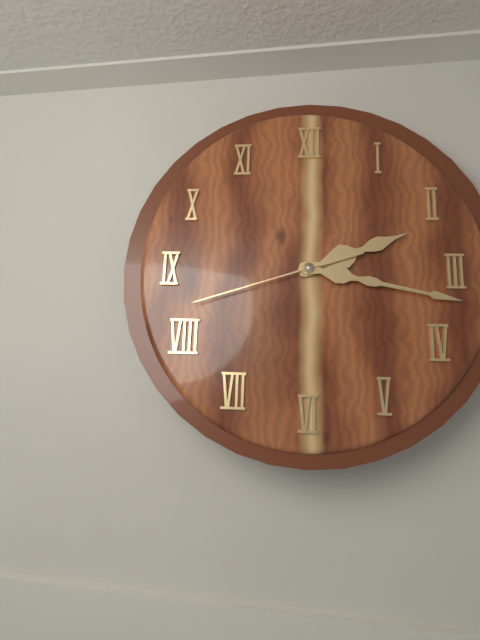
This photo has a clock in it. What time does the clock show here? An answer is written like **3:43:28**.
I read **2:17:42**
